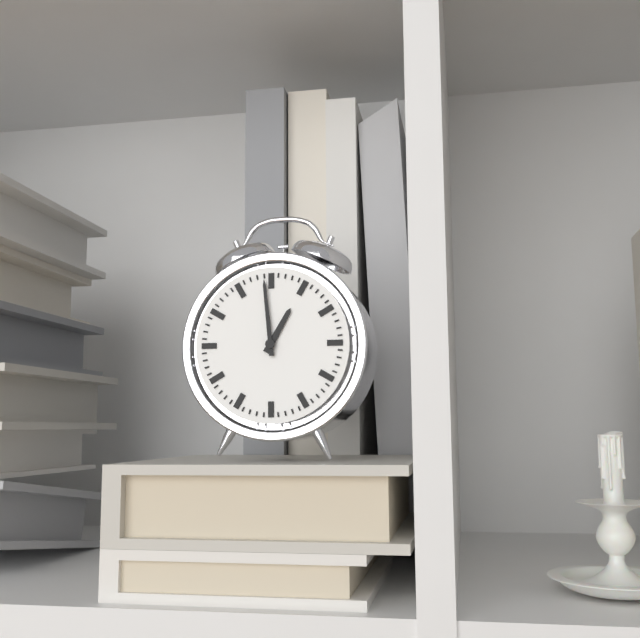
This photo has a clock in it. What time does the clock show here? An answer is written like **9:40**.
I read **12:59**
